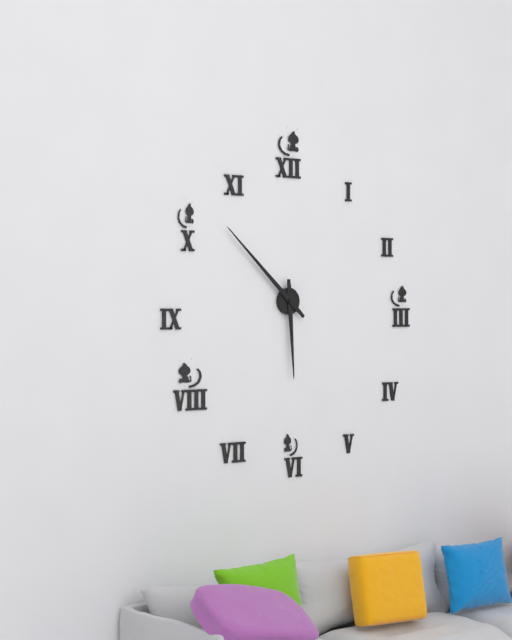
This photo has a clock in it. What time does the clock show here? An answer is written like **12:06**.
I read **5:52**
